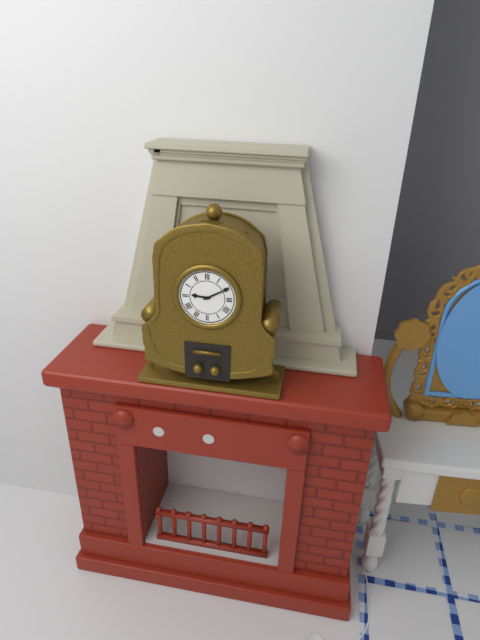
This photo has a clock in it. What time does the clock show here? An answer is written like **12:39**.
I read **9:10**
